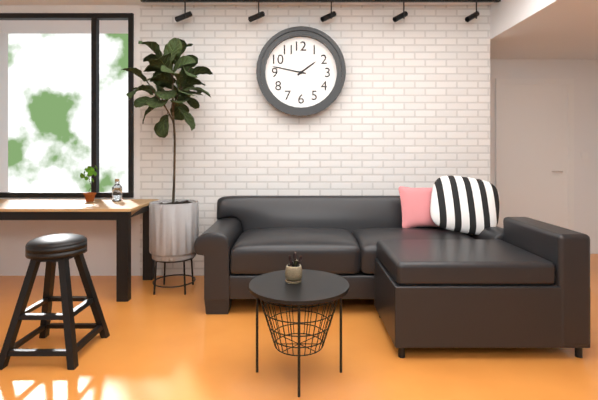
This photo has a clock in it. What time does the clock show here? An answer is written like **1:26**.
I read **1:47**
